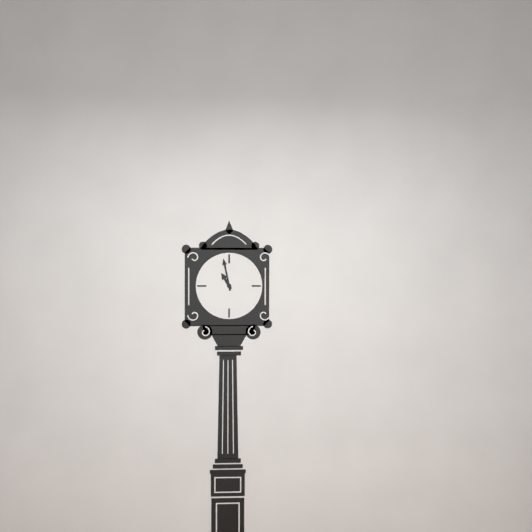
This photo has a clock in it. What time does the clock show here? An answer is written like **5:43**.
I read **10:58**
